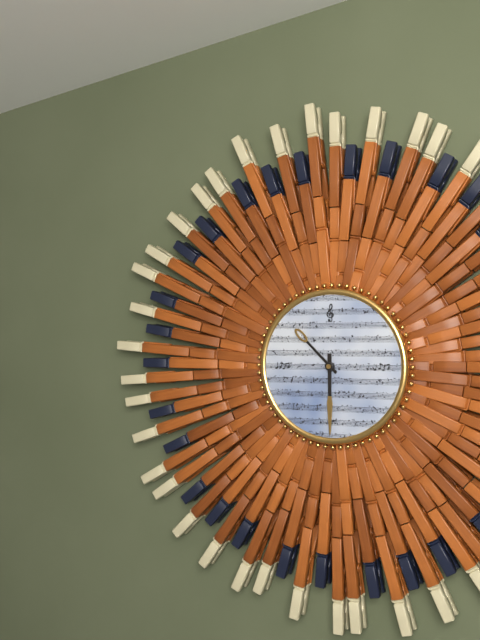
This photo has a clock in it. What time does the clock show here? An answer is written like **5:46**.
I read **10:30**
